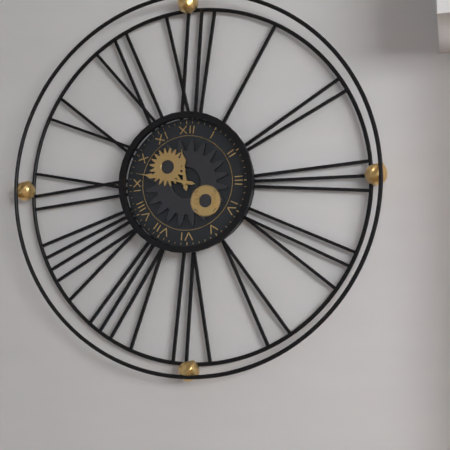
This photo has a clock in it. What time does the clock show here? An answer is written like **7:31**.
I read **11:47**
